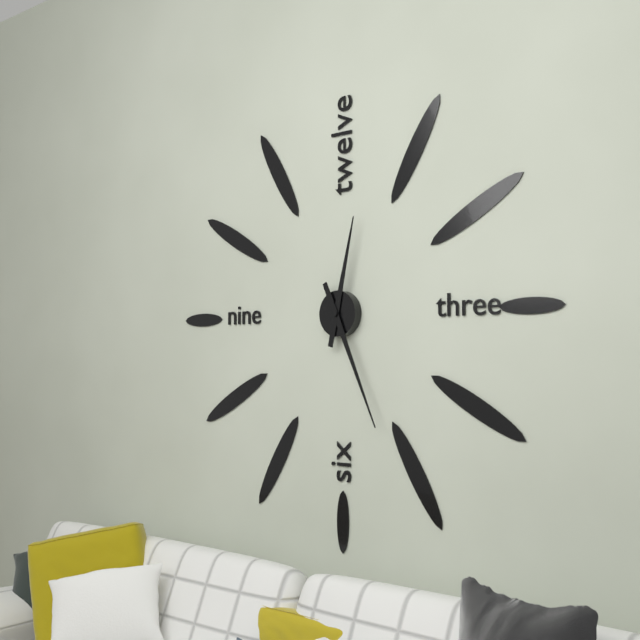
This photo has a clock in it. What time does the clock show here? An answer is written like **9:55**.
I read **12:26**
